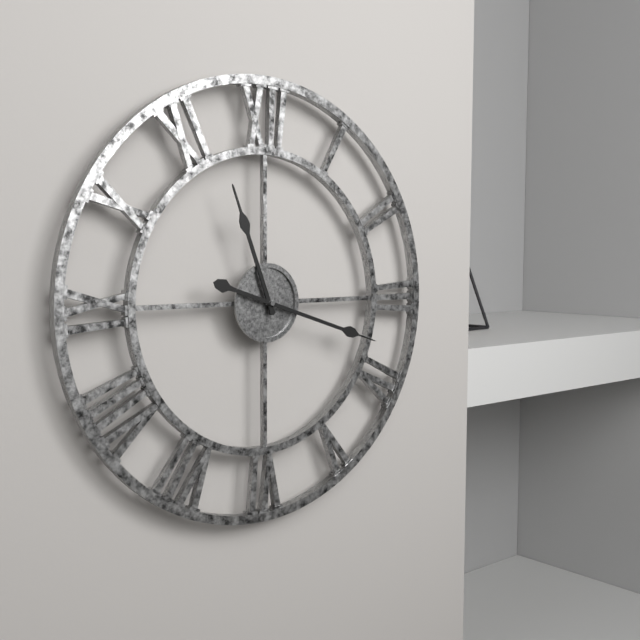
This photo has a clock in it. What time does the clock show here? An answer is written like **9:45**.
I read **11:18**
